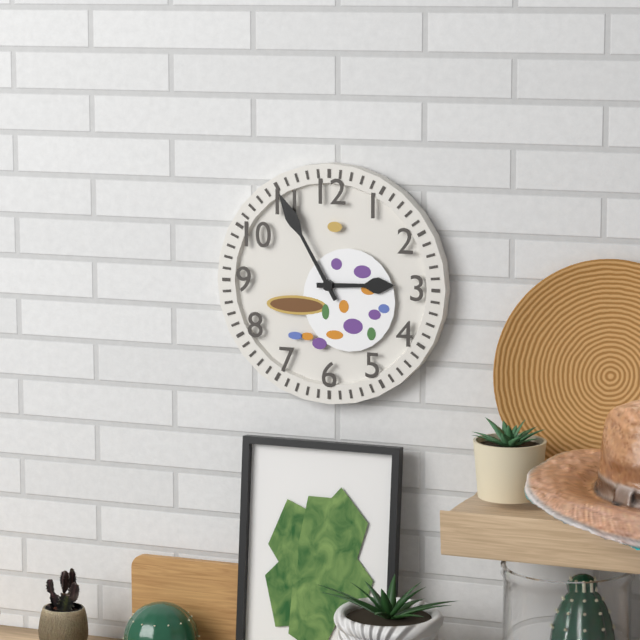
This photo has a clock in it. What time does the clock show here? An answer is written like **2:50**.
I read **2:55**
